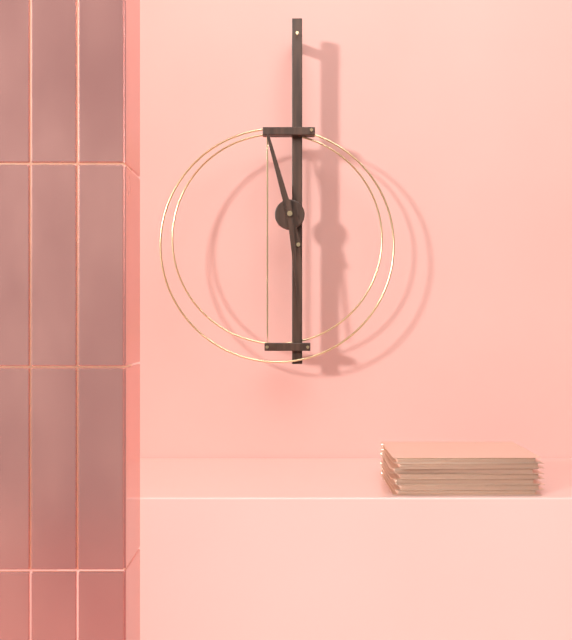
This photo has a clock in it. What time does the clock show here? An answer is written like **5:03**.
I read **11:29**
